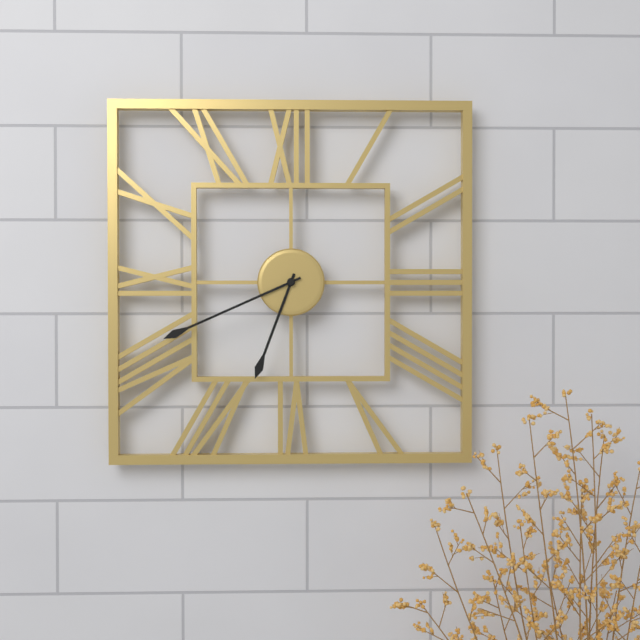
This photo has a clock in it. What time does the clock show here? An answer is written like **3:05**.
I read **6:41**
